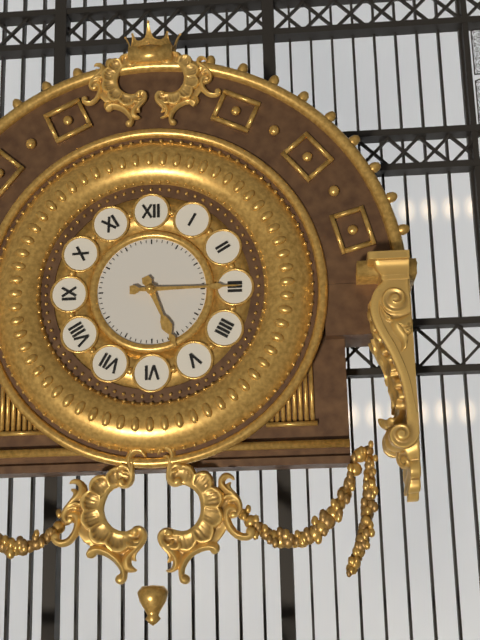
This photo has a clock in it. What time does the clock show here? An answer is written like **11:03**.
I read **5:15**
